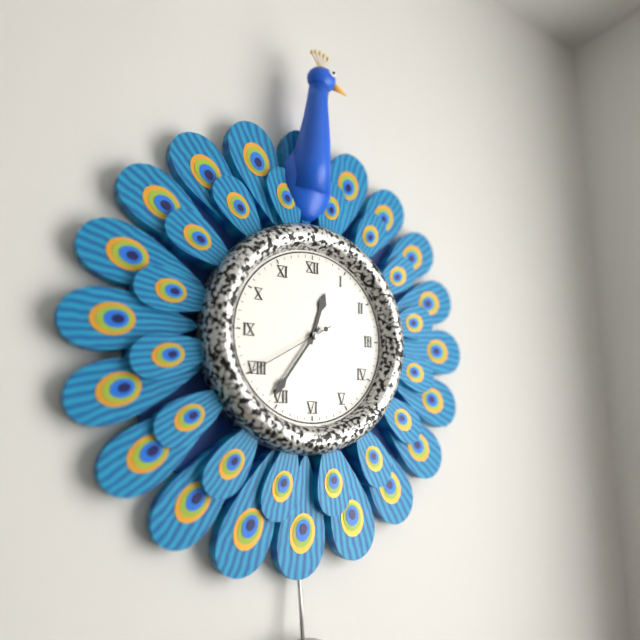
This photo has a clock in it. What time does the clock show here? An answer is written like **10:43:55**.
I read **12:36:40**
